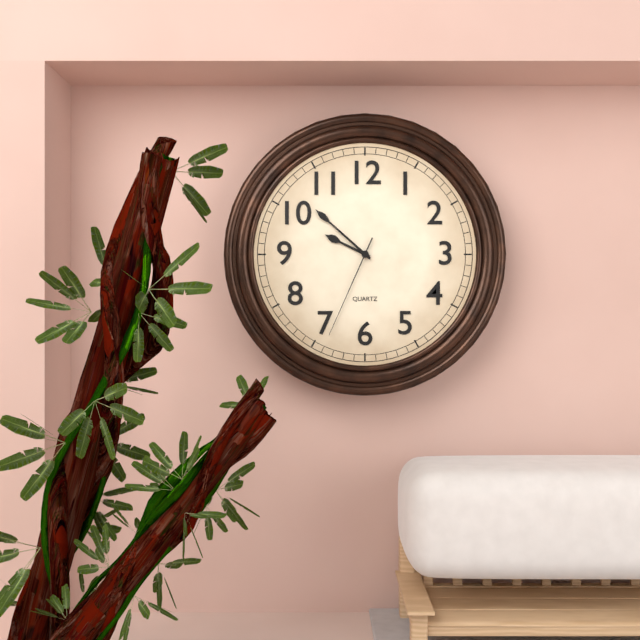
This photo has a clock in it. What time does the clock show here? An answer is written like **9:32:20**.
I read **9:52:34**
